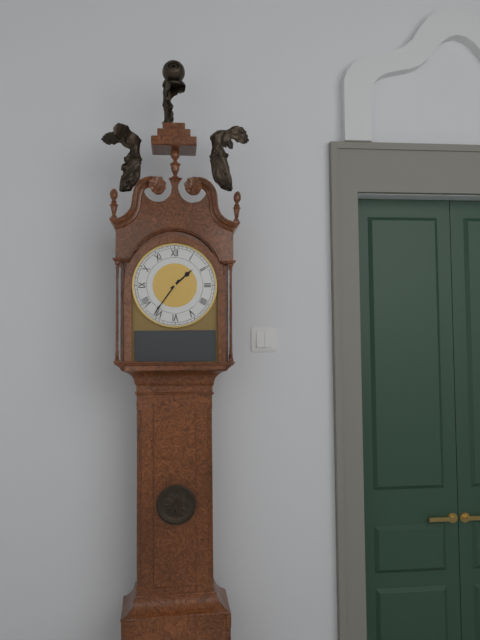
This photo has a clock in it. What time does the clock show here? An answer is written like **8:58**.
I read **1:36**
